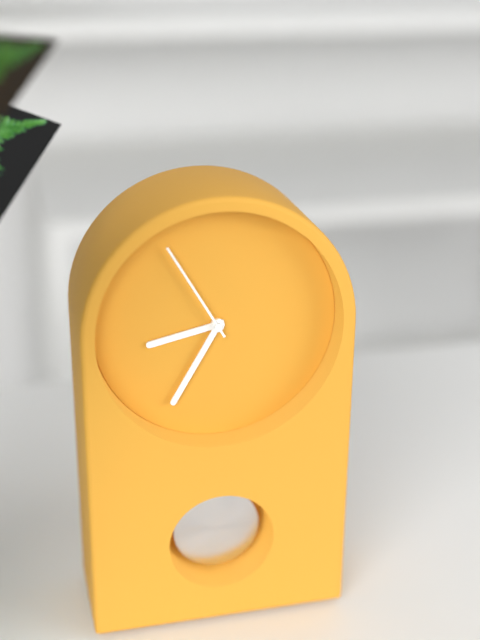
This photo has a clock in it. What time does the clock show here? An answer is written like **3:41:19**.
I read **8:35:55**
